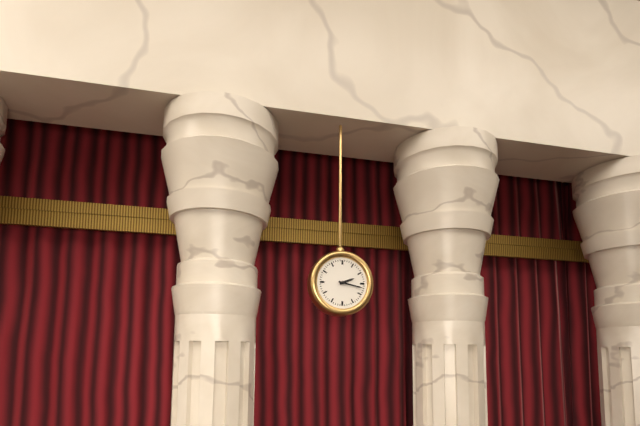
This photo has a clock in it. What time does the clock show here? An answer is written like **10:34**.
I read **2:17**
